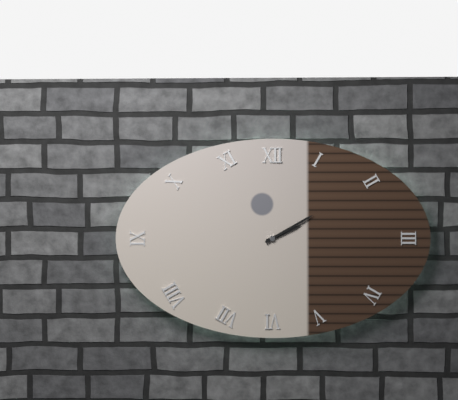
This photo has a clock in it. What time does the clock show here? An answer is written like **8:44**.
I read **2:10**
